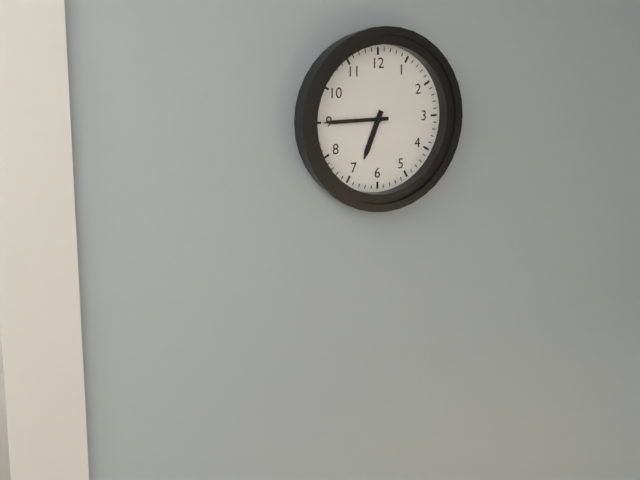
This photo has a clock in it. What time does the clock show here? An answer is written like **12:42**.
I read **6:45**
